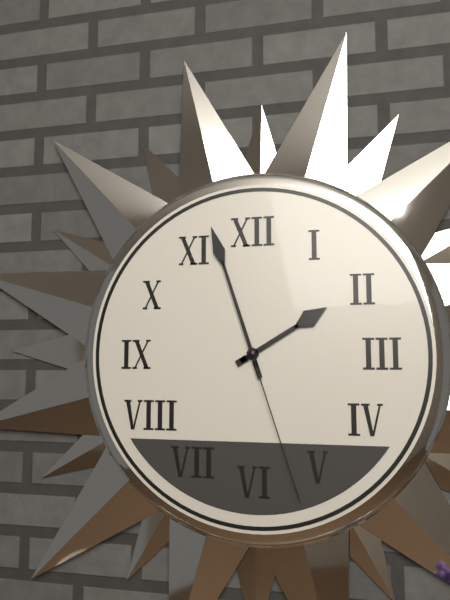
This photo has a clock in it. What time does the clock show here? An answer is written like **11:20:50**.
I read **1:57:27**
